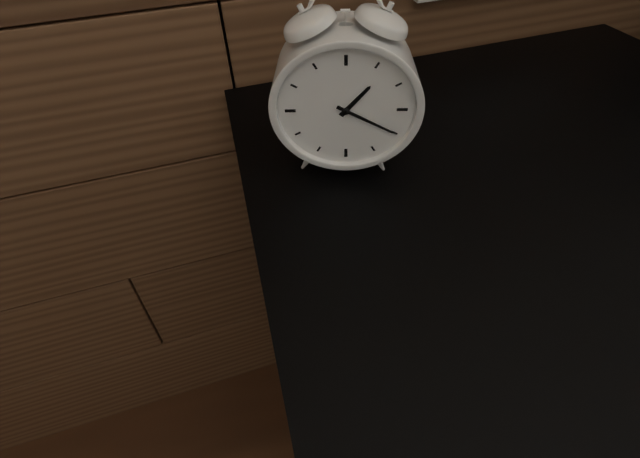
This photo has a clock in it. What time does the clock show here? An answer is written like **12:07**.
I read **1:20**
